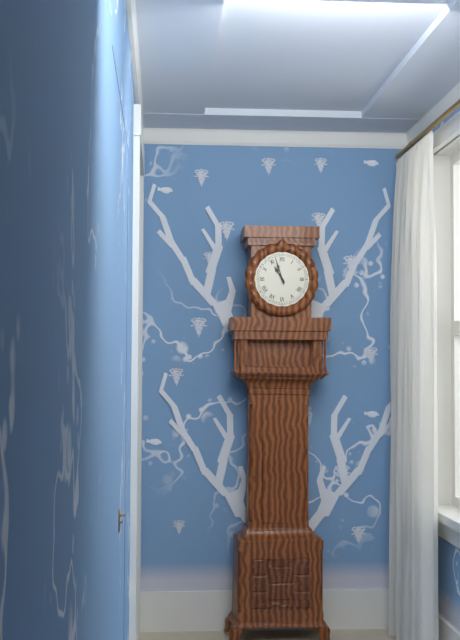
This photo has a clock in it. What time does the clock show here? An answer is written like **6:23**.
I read **10:57**
